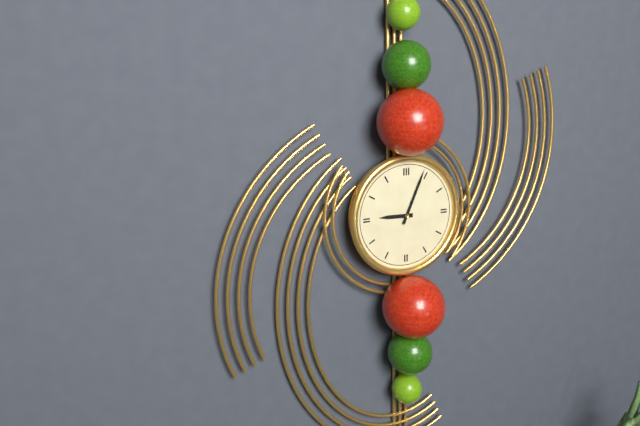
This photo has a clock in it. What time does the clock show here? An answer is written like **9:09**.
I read **9:04**
